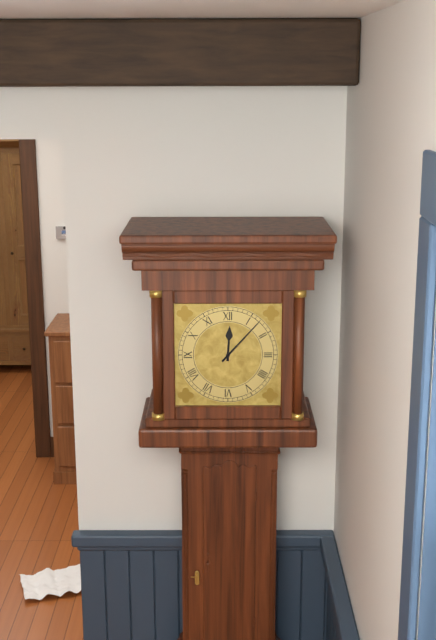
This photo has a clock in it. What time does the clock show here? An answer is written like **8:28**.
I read **12:07**
